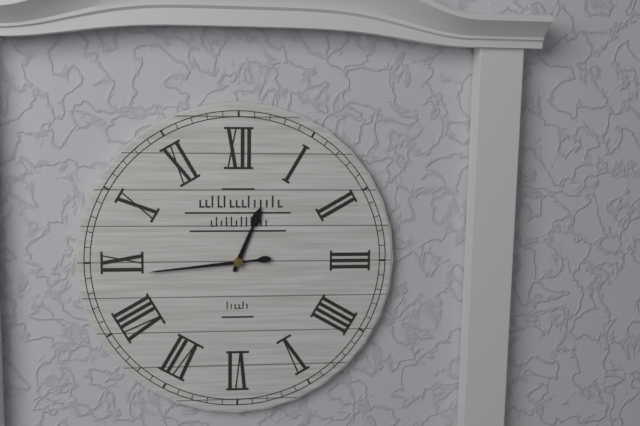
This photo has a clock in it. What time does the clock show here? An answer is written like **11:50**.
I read **12:44**
